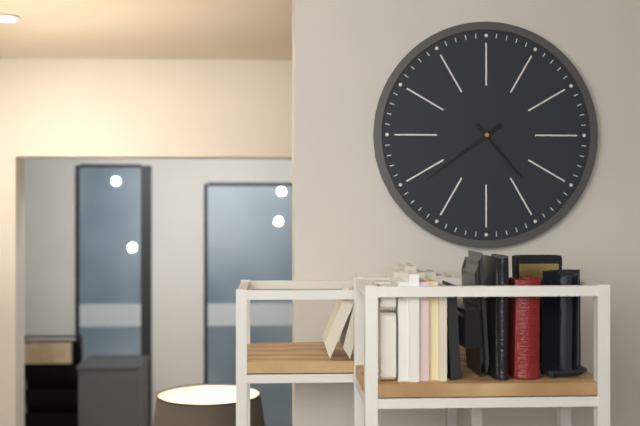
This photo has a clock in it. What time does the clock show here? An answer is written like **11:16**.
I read **4:39**
